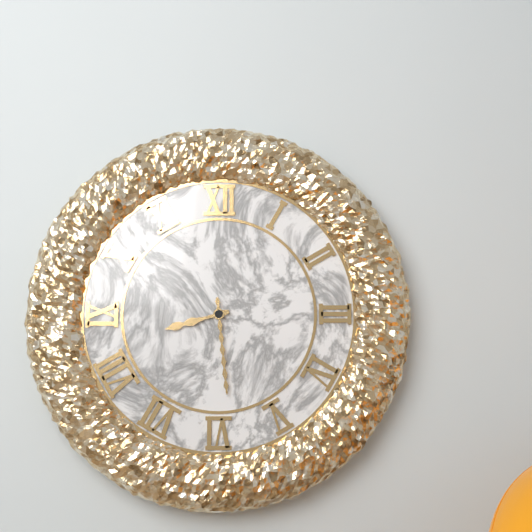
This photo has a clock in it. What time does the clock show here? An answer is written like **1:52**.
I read **8:29**
